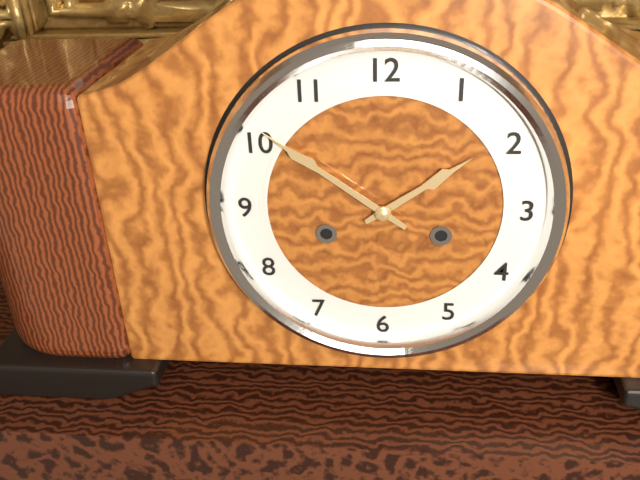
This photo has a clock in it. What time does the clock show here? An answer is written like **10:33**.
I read **1:51**
